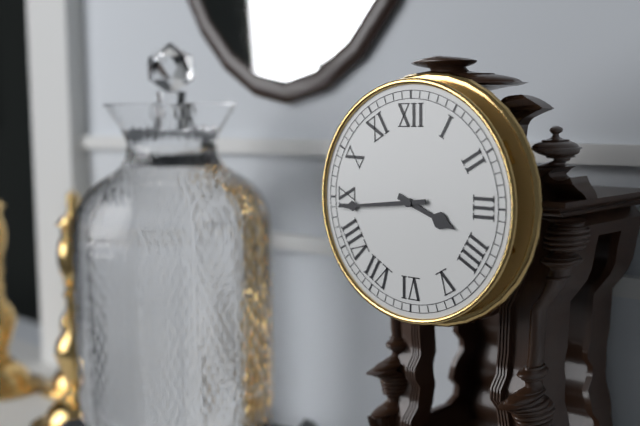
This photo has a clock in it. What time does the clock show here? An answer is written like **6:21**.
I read **3:44**
